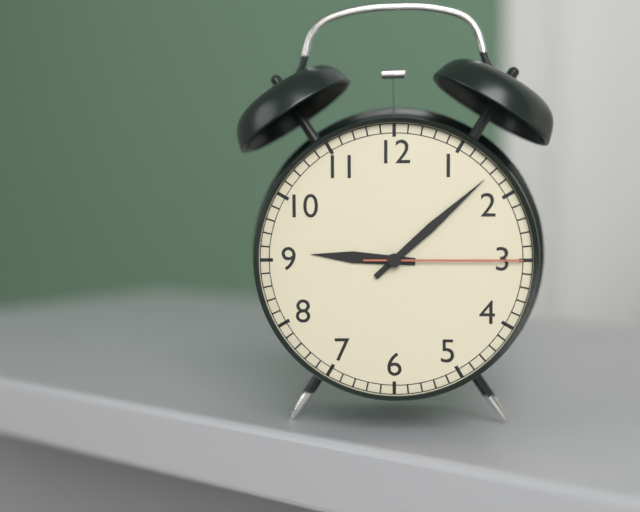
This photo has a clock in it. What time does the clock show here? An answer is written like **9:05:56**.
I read **9:08:15**
